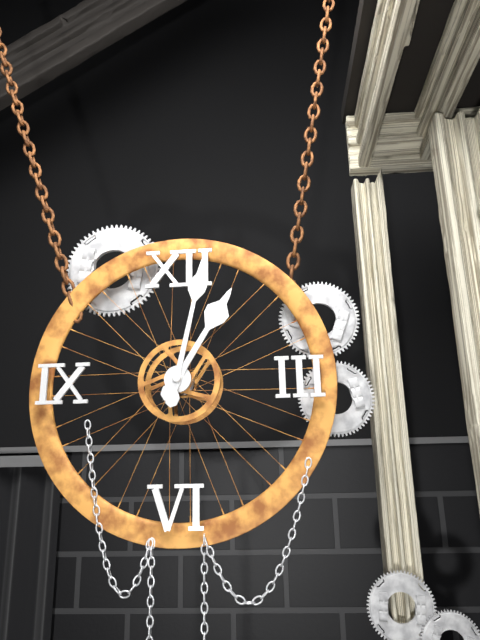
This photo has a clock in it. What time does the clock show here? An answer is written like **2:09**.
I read **1:02**
